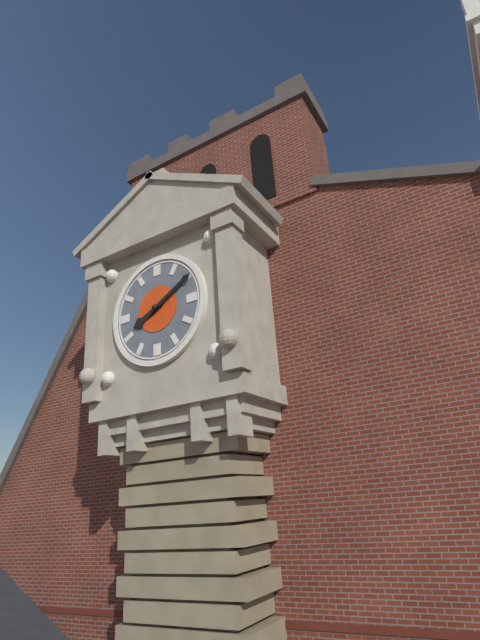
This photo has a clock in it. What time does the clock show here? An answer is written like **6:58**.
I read **8:10**
